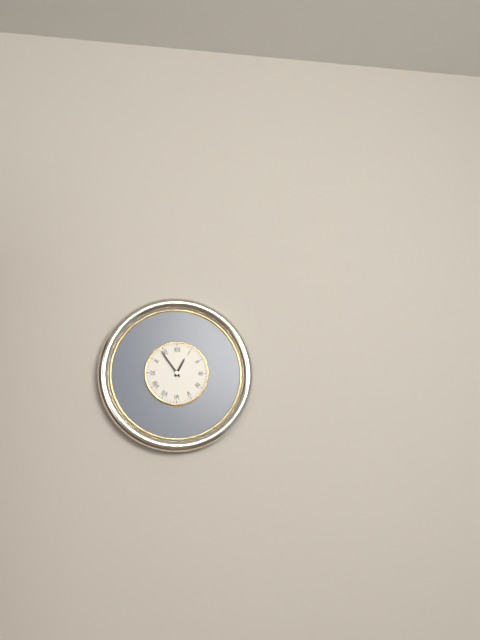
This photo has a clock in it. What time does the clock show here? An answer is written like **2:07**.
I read **12:54**
